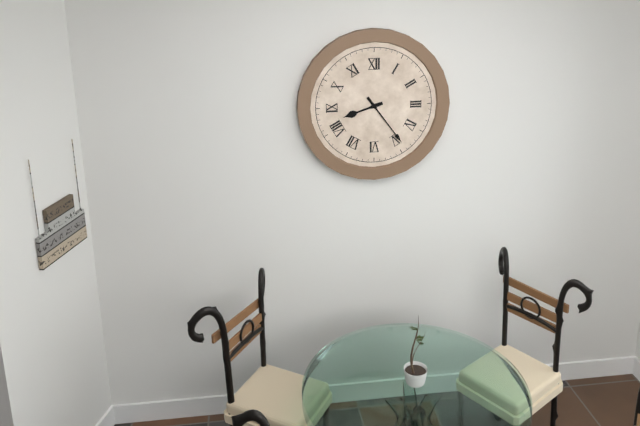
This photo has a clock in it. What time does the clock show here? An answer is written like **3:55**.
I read **8:24**
